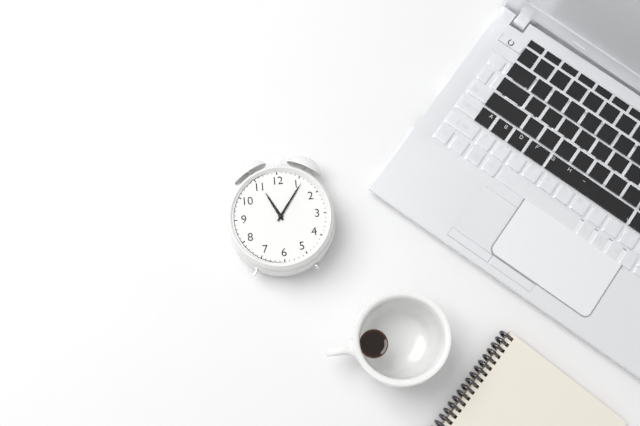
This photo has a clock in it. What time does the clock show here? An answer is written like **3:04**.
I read **11:06**
